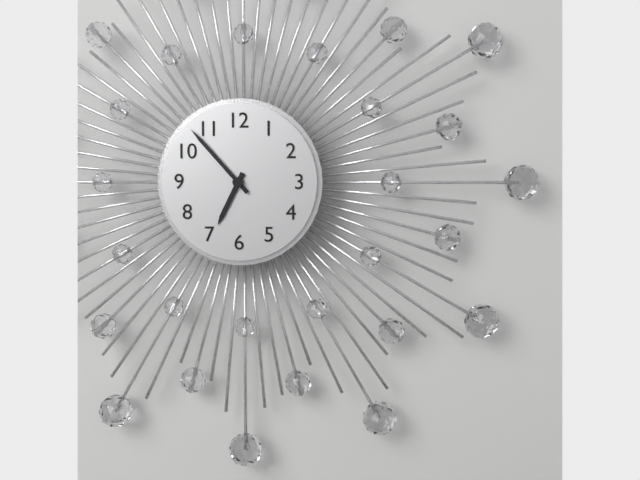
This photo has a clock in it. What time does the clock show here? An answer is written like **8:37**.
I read **6:53**
